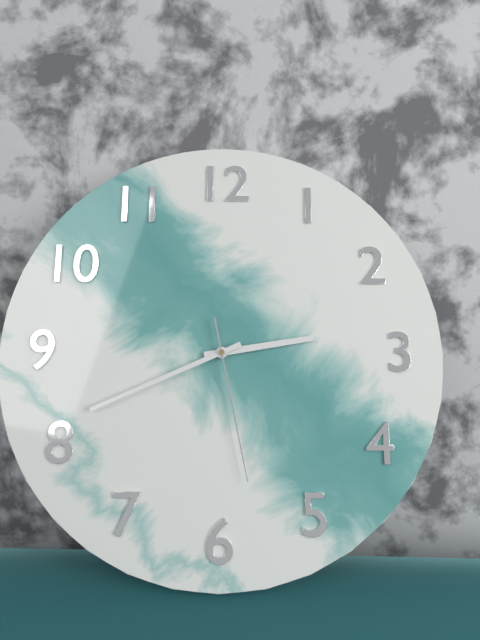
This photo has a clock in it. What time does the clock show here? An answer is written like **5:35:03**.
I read **2:41:28**
